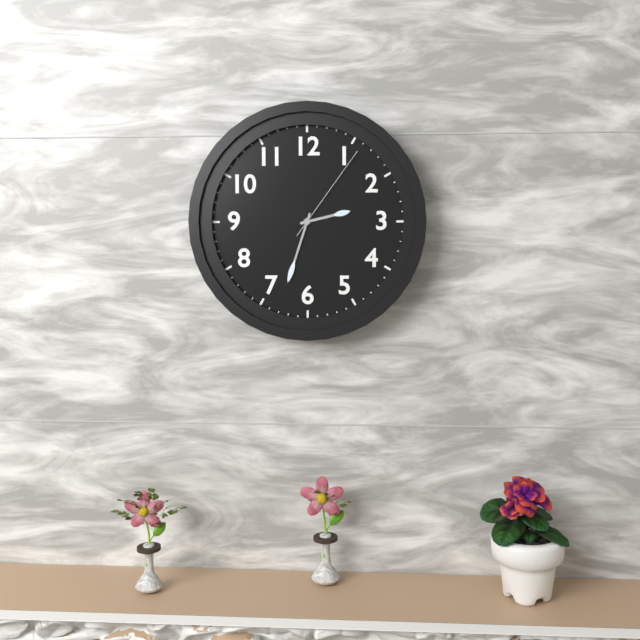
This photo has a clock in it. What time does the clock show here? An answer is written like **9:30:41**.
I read **2:33:06**
